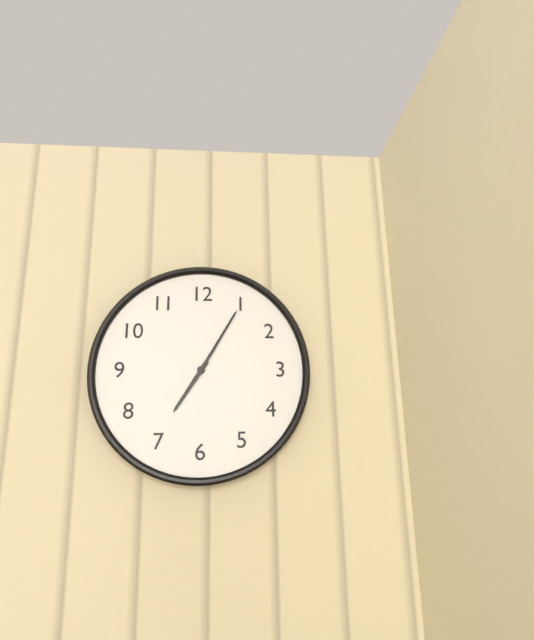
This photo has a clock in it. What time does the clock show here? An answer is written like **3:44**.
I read **7:05**
